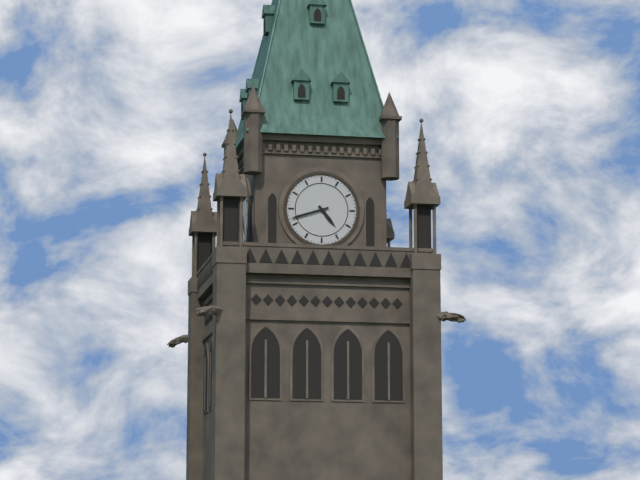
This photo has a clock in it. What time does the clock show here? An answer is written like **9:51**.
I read **4:42**
